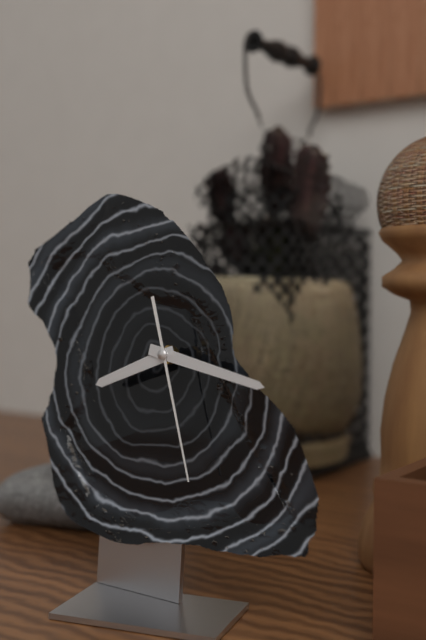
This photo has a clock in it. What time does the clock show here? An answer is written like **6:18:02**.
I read **8:17:27**
